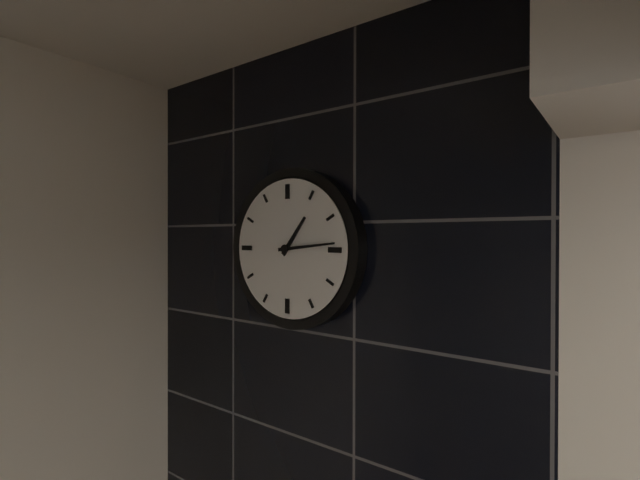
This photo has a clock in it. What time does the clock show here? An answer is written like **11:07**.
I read **1:14**
